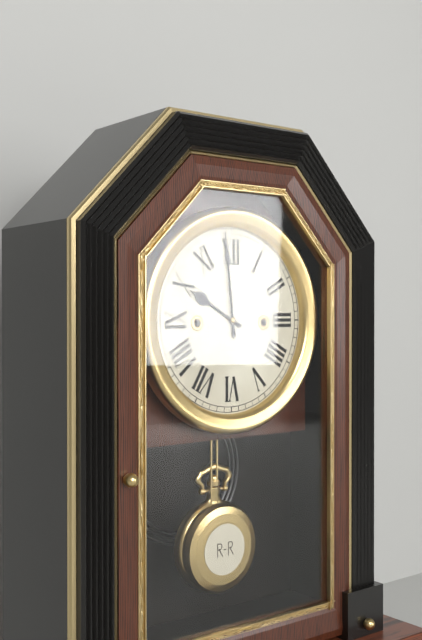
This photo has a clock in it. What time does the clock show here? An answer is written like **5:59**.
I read **9:59**
